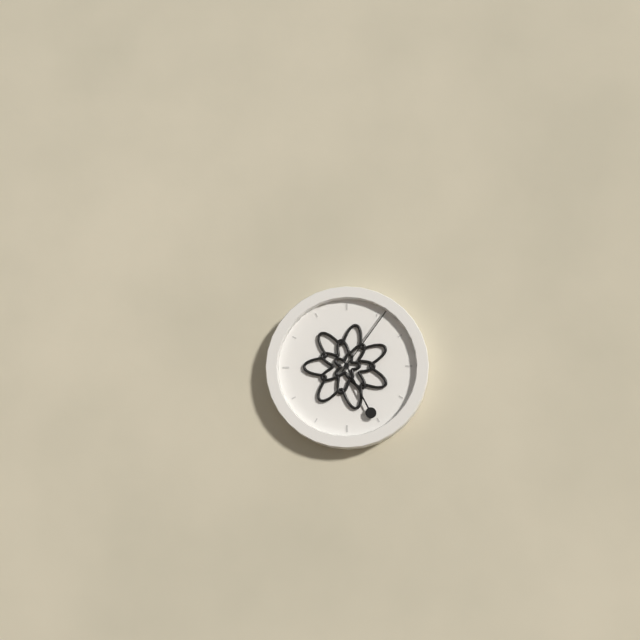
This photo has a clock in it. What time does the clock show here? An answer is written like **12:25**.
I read **5:06**
